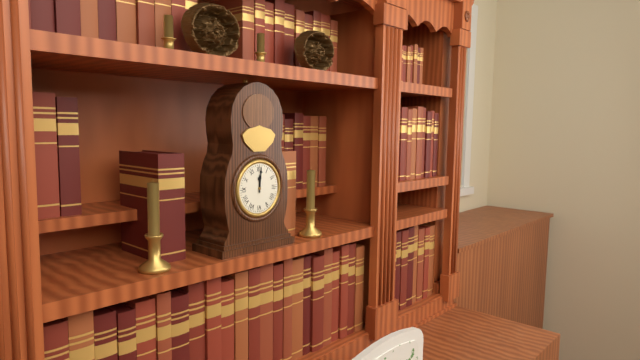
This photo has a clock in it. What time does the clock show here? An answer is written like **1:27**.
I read **12:01**
